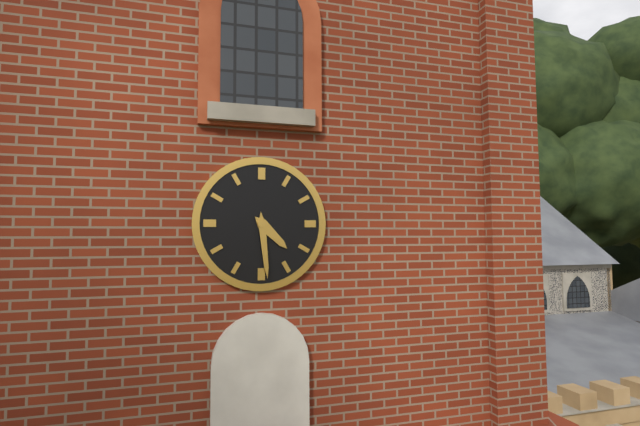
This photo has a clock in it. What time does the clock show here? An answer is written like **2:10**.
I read **4:29**
